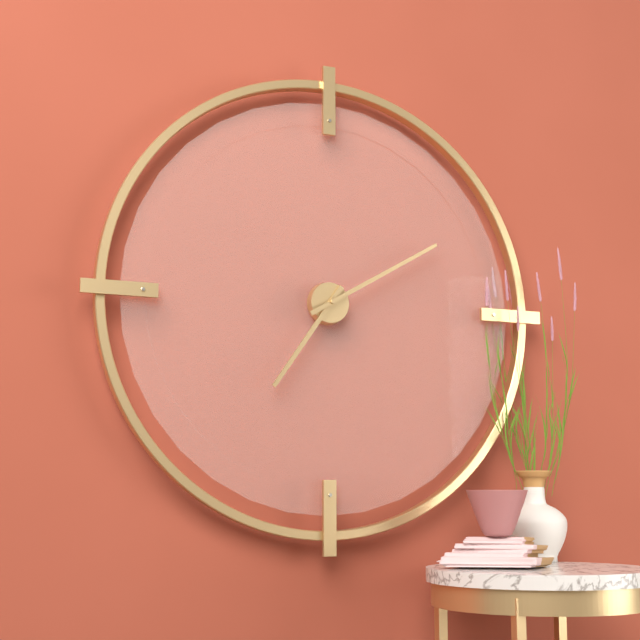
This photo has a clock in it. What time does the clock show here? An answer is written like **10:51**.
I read **7:10**
